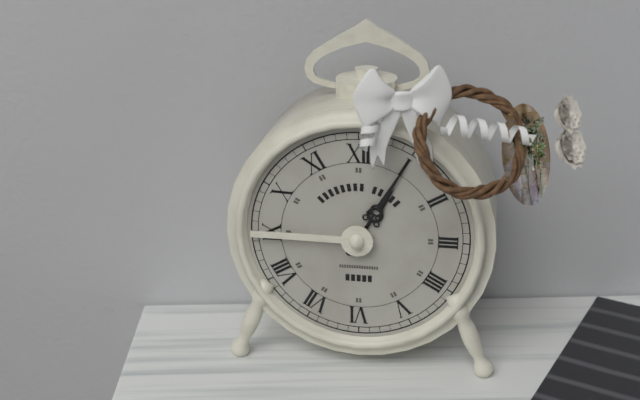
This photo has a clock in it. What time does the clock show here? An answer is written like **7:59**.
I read **1:05**
